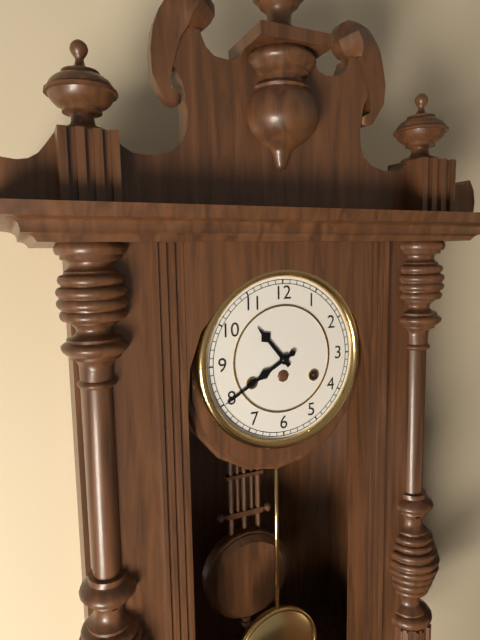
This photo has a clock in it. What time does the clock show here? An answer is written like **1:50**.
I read **10:40**
